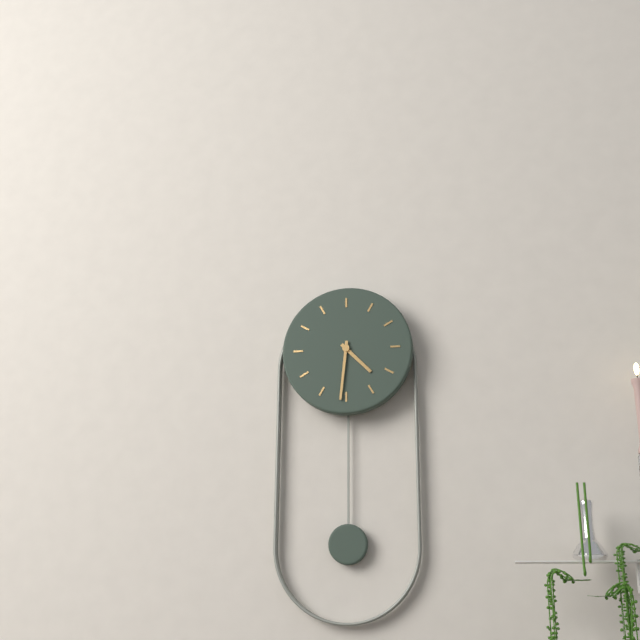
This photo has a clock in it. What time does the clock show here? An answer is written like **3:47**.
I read **4:31**
